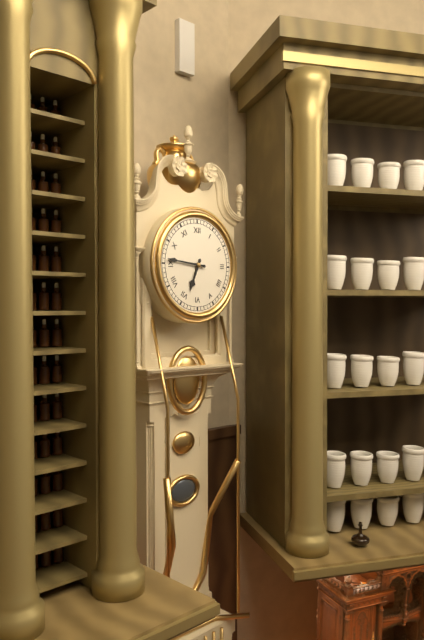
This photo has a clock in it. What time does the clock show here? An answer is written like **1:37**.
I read **6:46**
